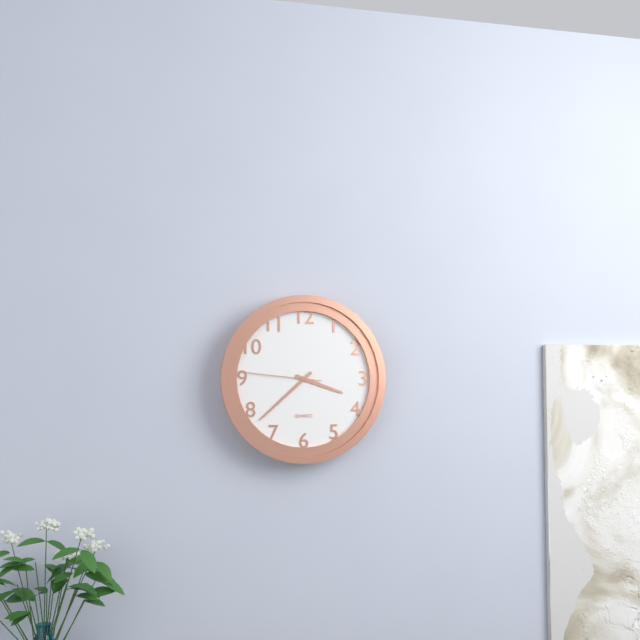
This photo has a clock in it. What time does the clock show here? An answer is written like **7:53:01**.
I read **3:38:46**
